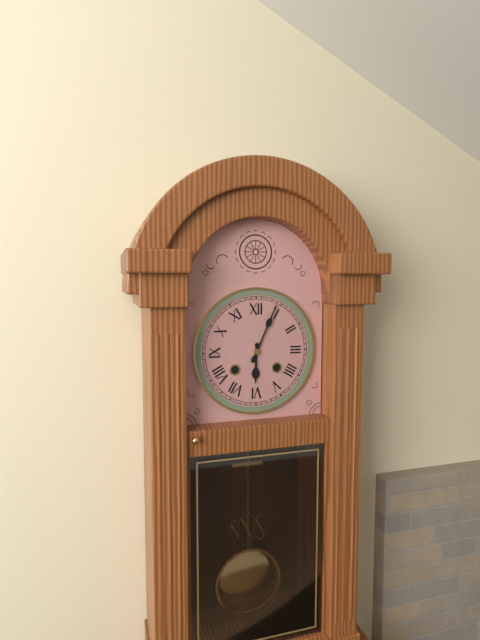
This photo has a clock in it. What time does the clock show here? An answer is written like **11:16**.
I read **6:04**
